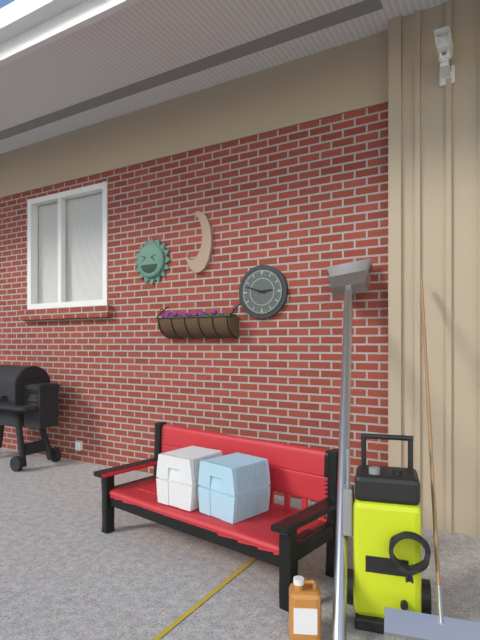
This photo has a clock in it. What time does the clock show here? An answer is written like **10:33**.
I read **2:48**
